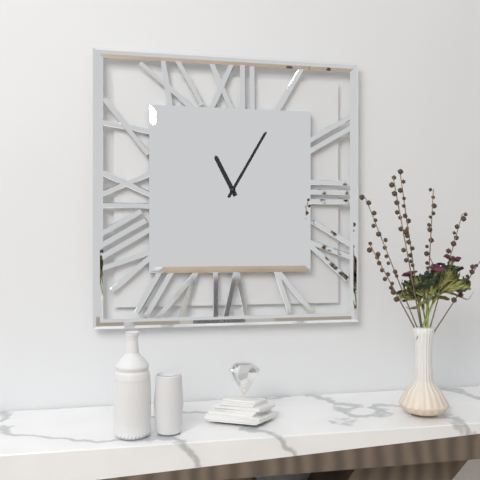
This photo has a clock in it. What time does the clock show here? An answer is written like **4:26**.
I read **11:05**
